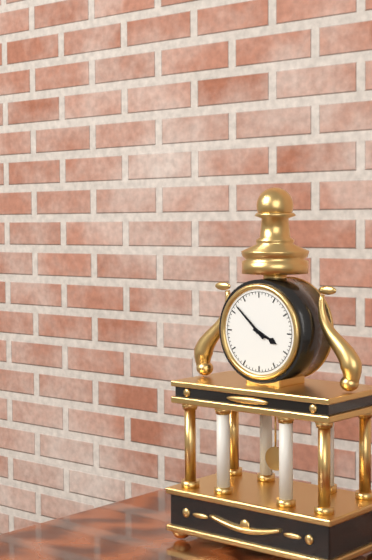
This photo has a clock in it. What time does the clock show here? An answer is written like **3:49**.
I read **3:52**
